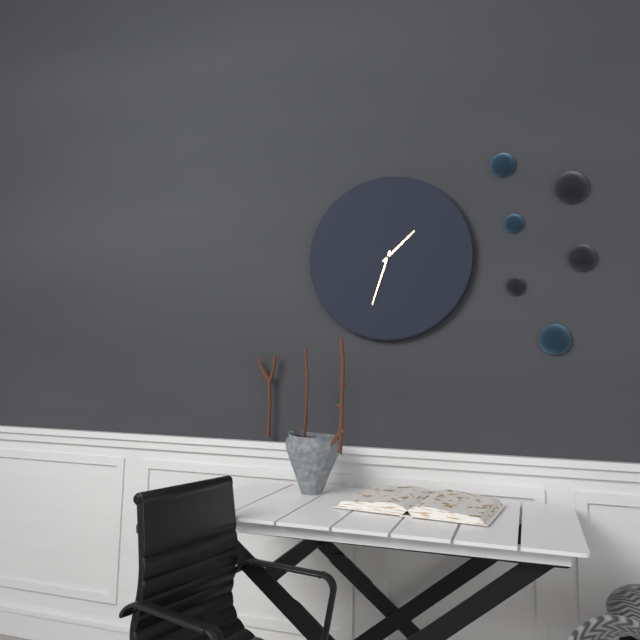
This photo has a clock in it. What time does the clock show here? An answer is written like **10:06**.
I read **1:33**
